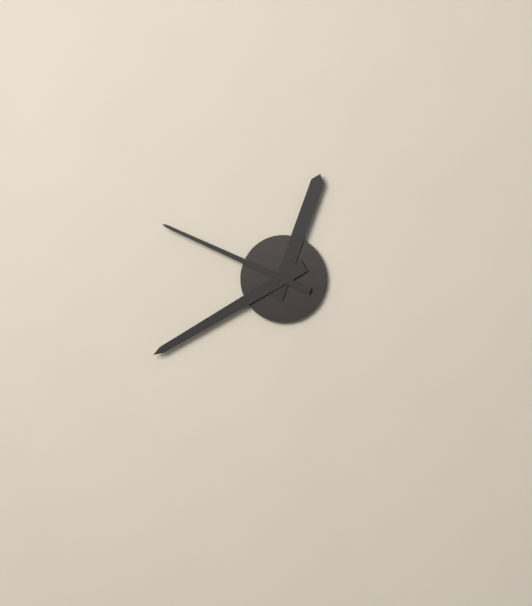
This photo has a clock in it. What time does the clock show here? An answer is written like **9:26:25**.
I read **12:40:49**
